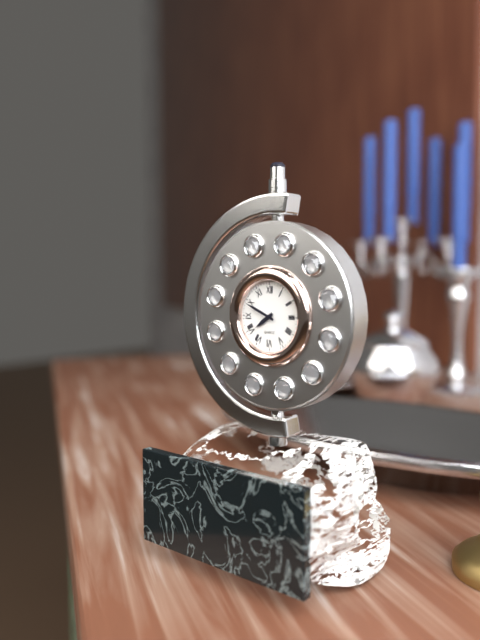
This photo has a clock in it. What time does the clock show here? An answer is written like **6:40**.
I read **7:49**
